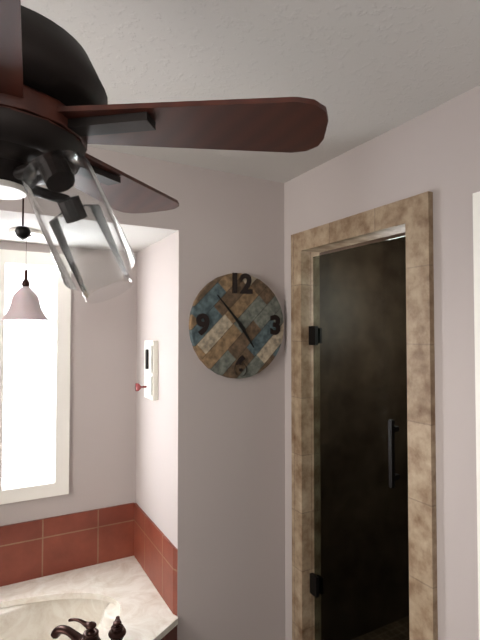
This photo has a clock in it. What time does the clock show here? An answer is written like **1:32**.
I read **4:53**
